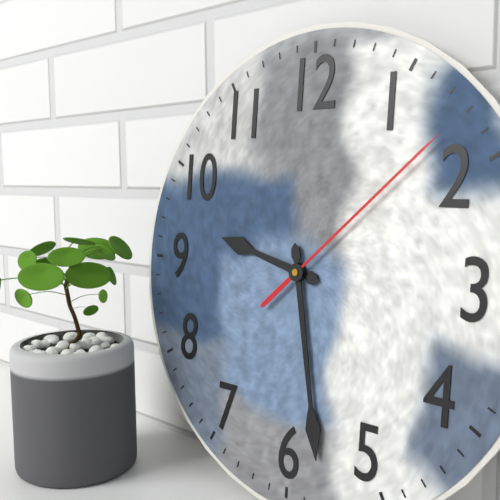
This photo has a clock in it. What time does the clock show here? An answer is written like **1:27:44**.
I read **9:28:08**
